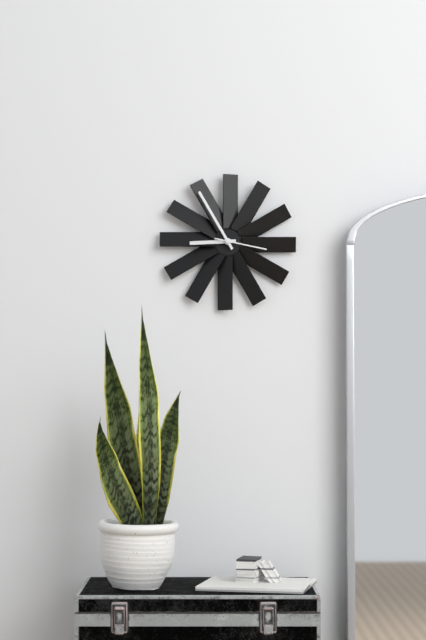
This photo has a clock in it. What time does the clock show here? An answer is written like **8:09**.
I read **8:55**
